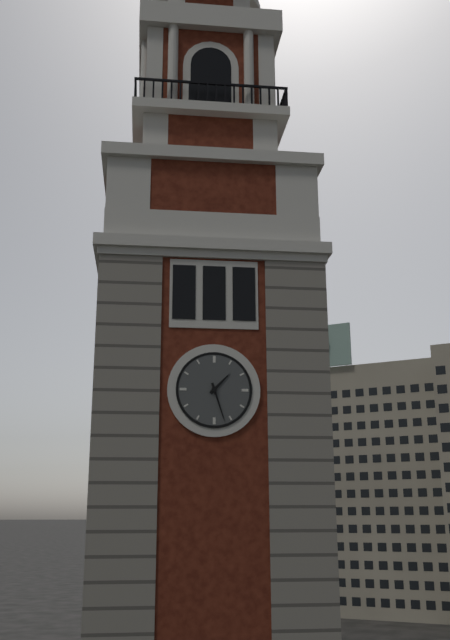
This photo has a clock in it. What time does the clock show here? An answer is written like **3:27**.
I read **1:27**
